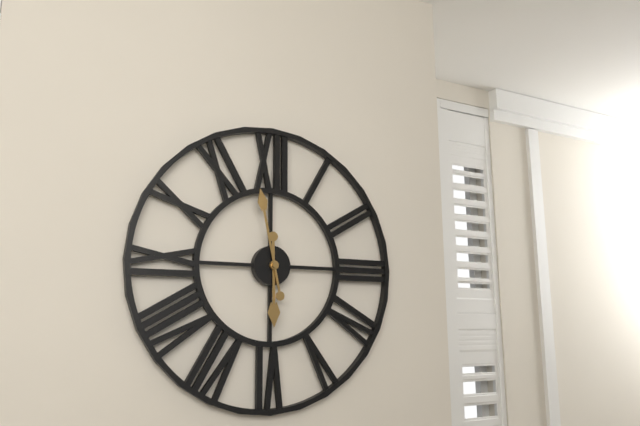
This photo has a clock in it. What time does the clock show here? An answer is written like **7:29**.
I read **5:58**
